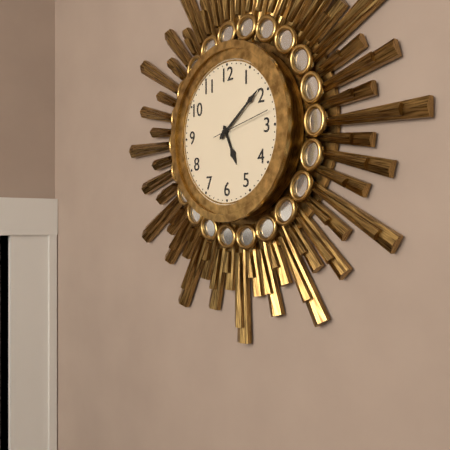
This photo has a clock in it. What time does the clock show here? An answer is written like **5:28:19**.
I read **5:09:13**
